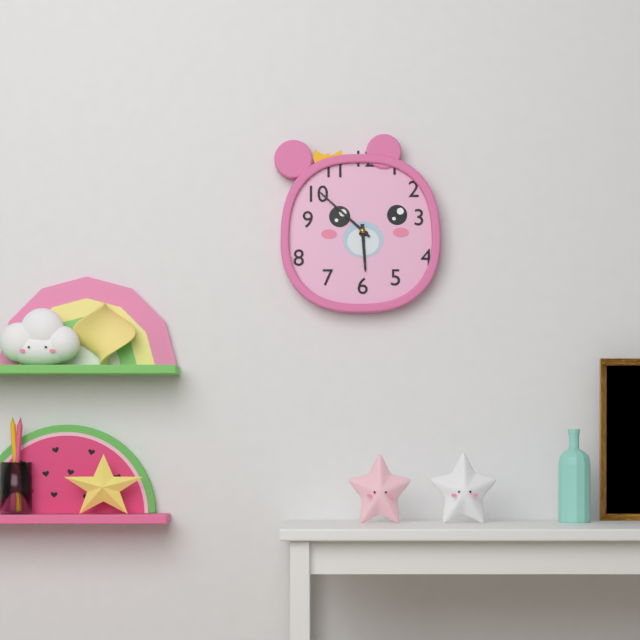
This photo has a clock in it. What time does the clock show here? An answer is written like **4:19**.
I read **5:52**
